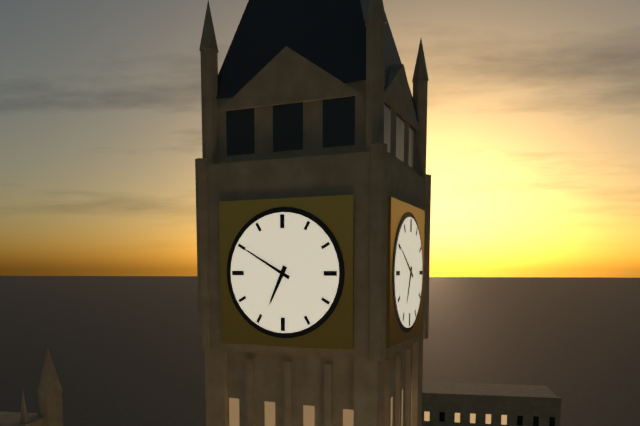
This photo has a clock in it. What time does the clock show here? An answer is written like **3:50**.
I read **6:50**
